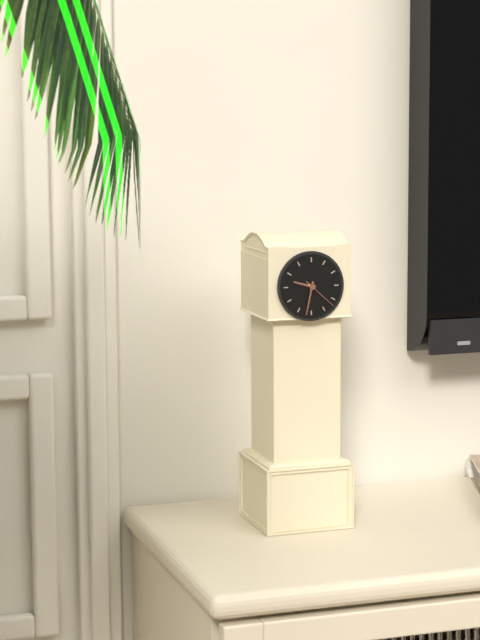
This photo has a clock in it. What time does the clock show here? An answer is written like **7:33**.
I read **9:32**
